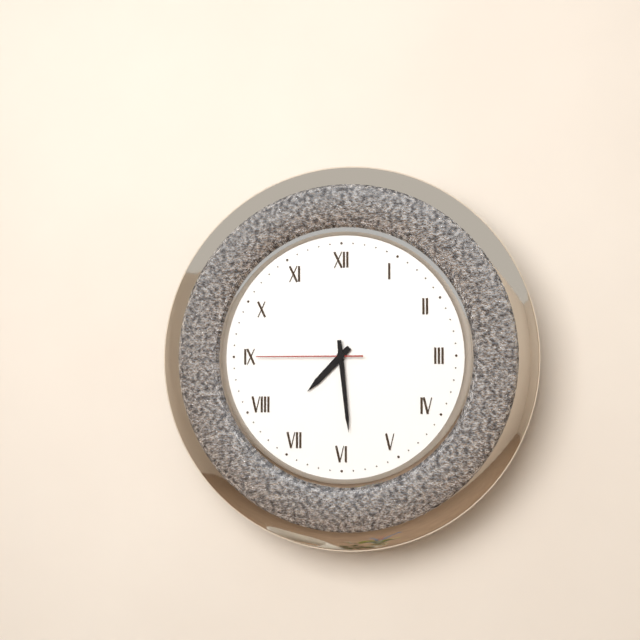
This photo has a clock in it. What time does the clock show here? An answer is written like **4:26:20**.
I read **7:29:45**
